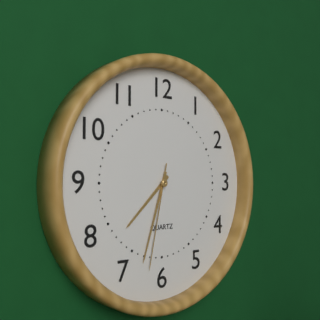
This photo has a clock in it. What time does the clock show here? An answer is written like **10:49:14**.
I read **7:33:32**
